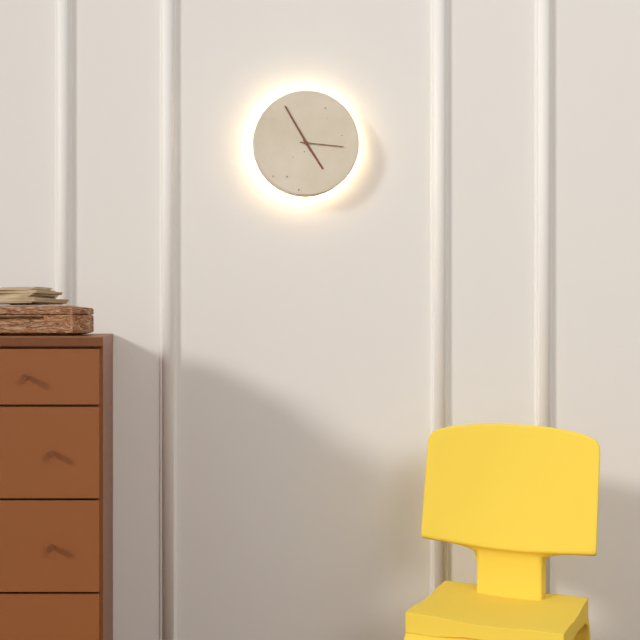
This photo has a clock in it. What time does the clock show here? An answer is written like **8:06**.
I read **4:55**
